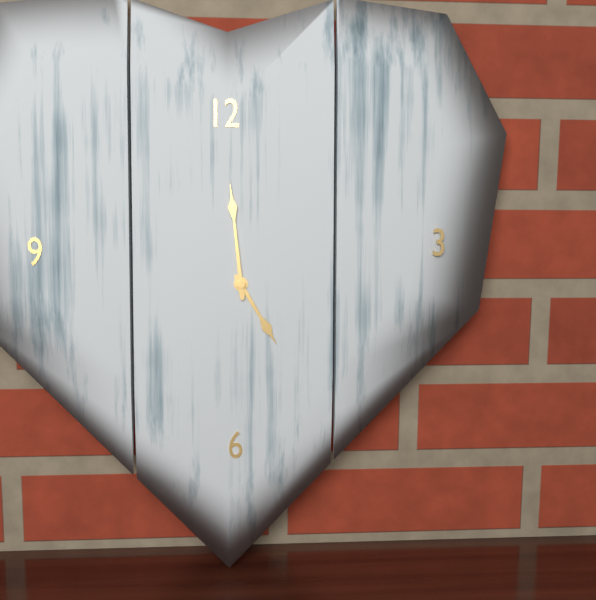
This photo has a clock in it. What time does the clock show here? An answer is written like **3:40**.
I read **4:59**
